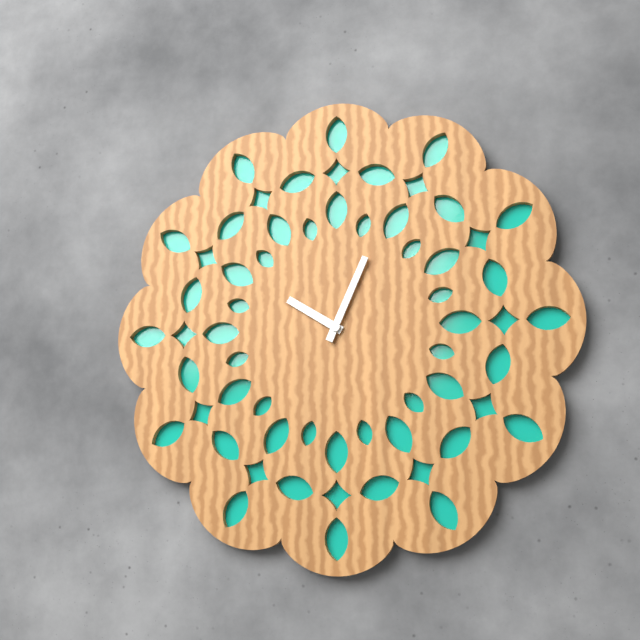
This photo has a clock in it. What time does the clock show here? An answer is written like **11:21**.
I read **10:04**
